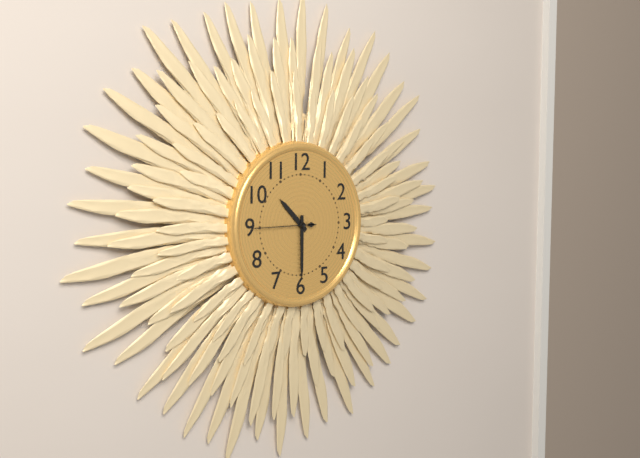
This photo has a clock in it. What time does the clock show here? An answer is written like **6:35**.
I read **10:30**
